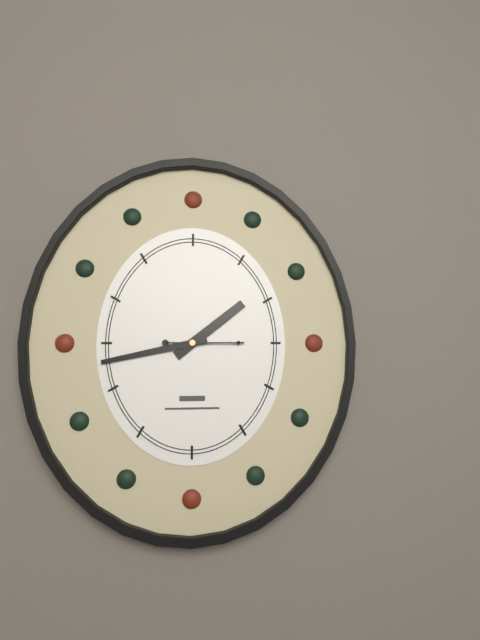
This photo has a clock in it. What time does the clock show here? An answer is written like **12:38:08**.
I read **1:43:15**
